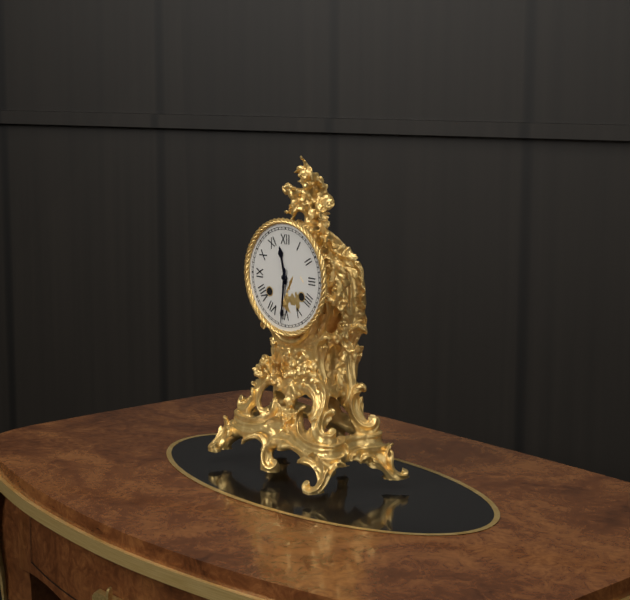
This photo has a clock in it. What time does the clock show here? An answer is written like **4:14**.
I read **11:31**
